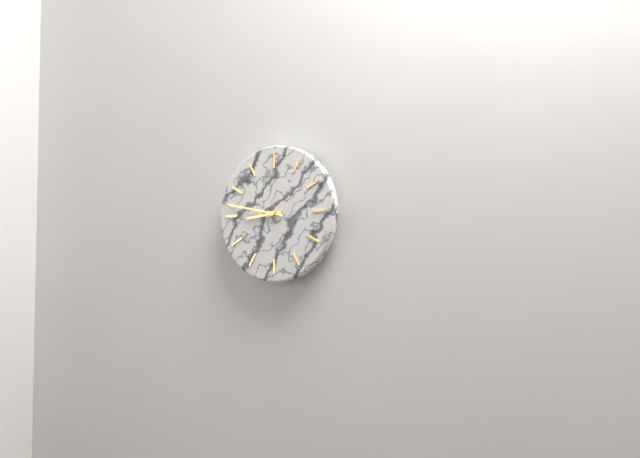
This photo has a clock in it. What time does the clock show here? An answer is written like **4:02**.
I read **8:47**
